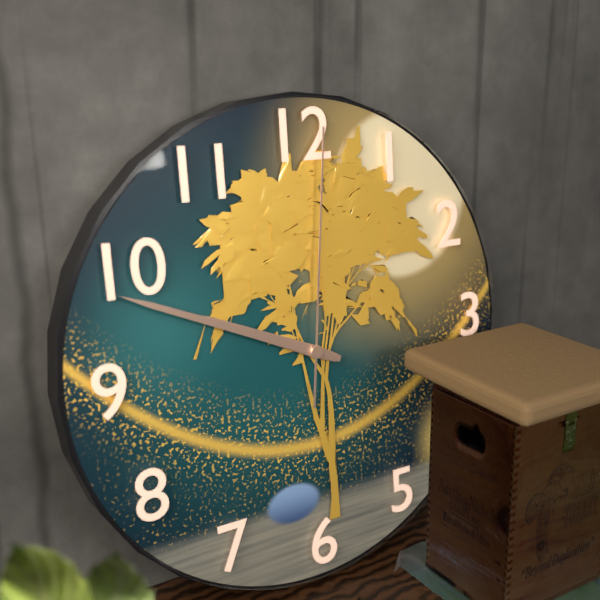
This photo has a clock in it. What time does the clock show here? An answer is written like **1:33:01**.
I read **9:49:01**
